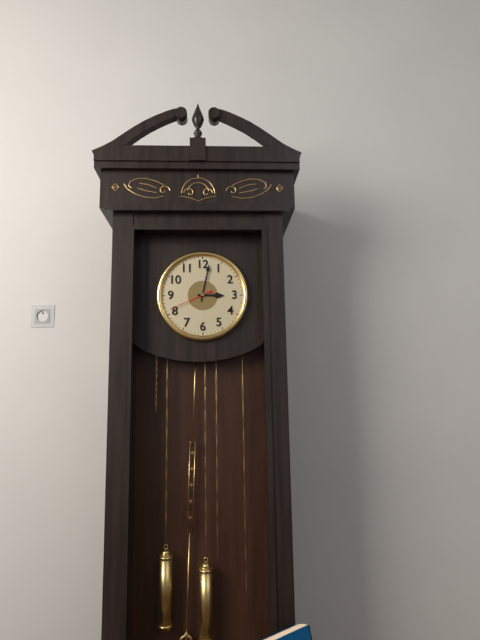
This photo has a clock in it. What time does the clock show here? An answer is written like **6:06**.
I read **3:02**
